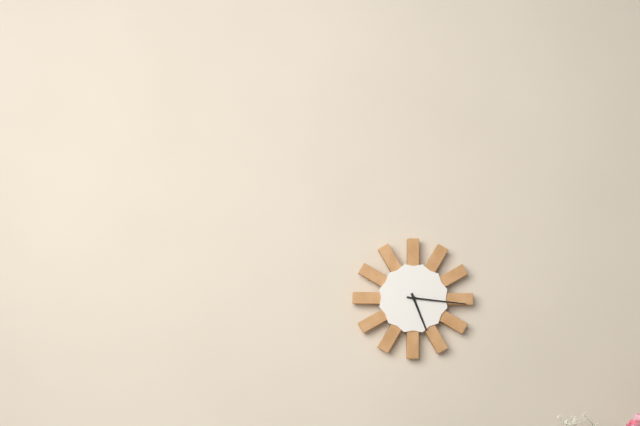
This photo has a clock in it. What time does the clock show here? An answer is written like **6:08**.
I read **5:16**
